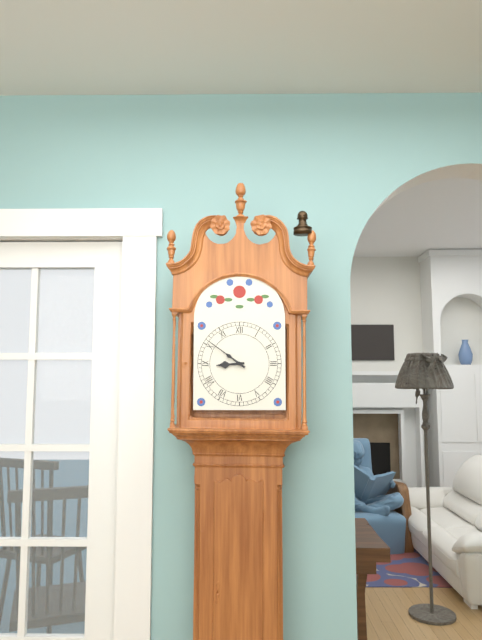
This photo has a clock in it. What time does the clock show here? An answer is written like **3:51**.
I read **8:51**
